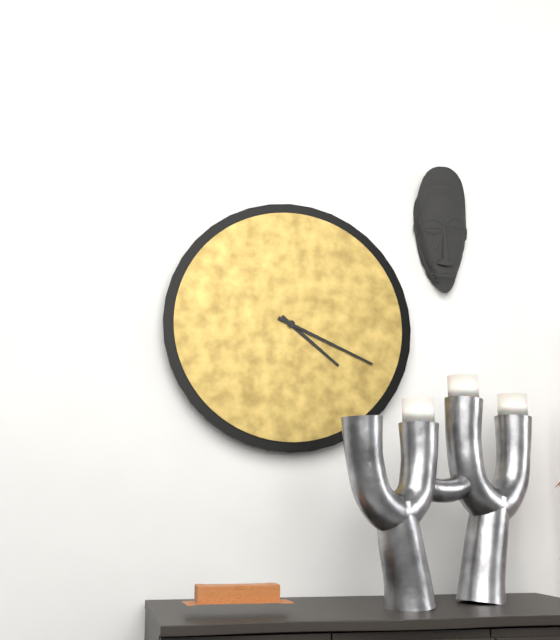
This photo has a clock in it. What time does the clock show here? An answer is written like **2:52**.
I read **4:19**
